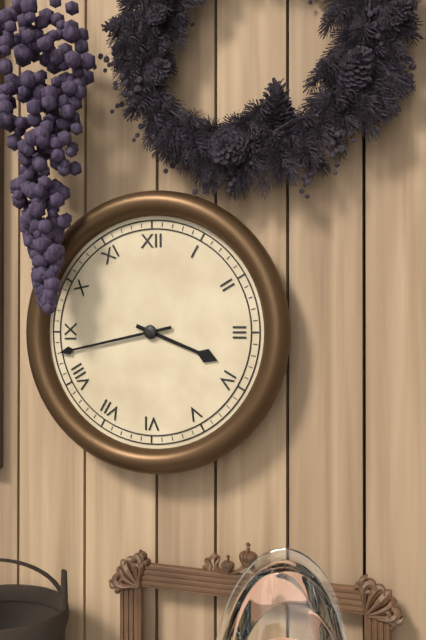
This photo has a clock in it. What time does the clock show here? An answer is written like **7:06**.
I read **3:43**
